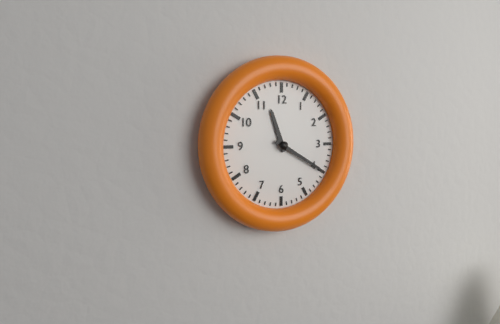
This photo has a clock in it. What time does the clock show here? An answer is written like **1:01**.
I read **11:20**
